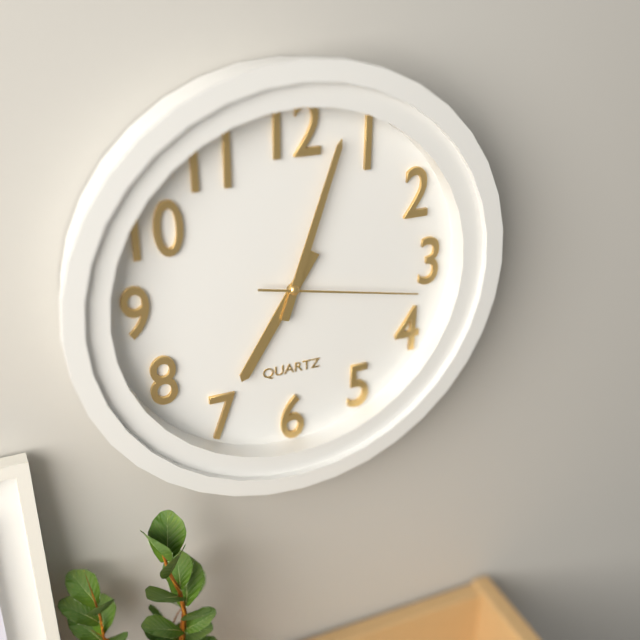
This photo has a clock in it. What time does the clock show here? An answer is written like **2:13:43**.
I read **7:03:17**
